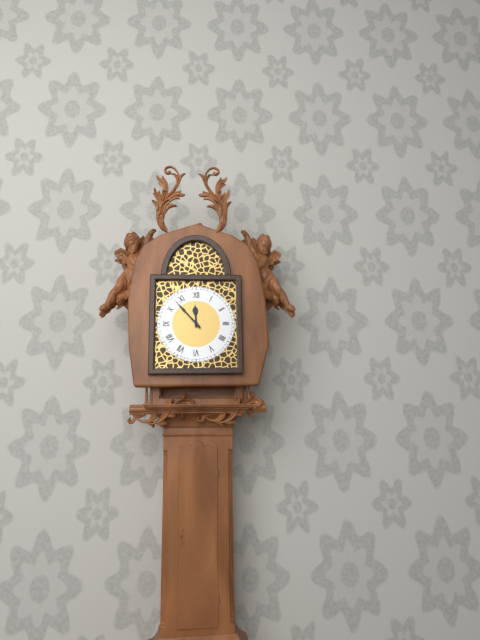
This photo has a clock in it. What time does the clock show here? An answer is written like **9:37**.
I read **11:53**
